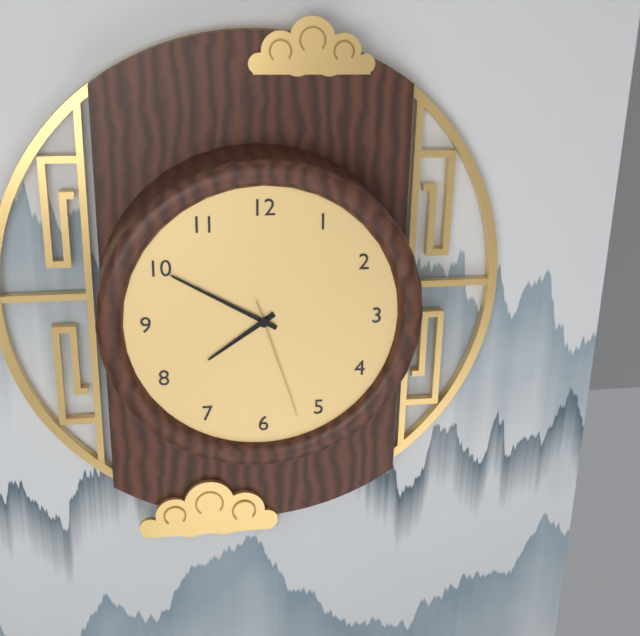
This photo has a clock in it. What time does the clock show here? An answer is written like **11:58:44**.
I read **7:50:27**
